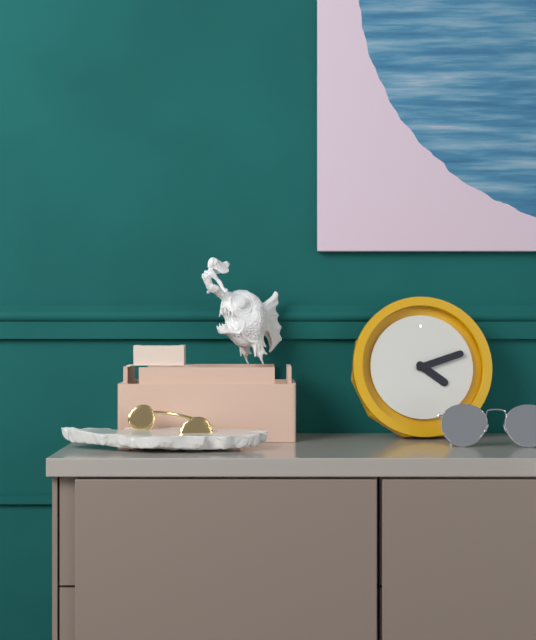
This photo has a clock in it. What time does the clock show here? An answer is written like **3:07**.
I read **4:12**
